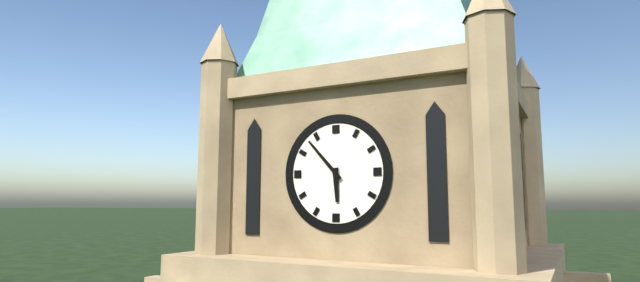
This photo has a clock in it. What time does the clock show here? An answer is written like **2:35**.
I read **5:53**
